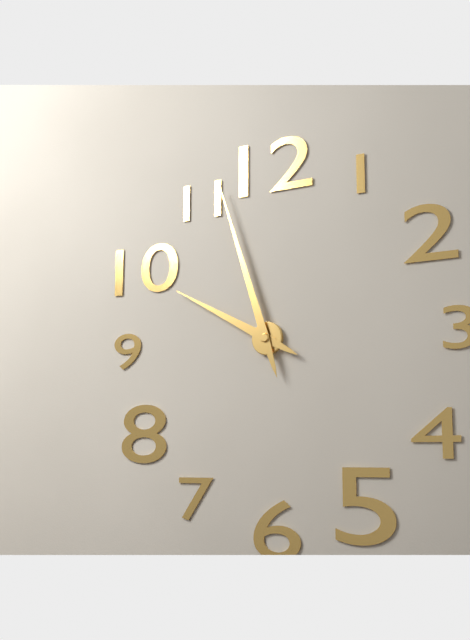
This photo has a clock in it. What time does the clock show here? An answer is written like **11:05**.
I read **9:57**
